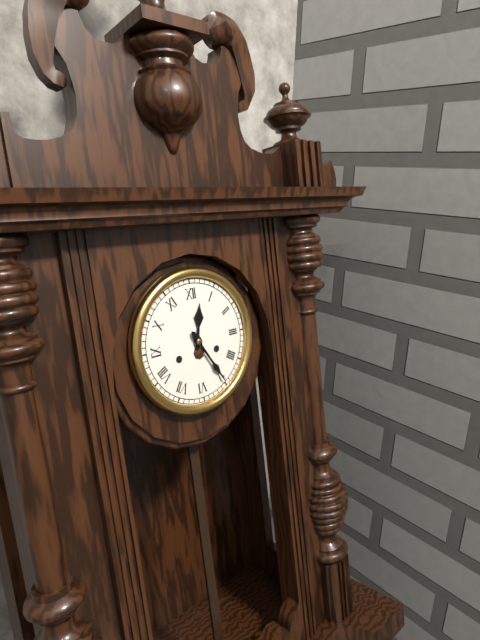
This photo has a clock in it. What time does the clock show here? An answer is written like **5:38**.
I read **12:25**
